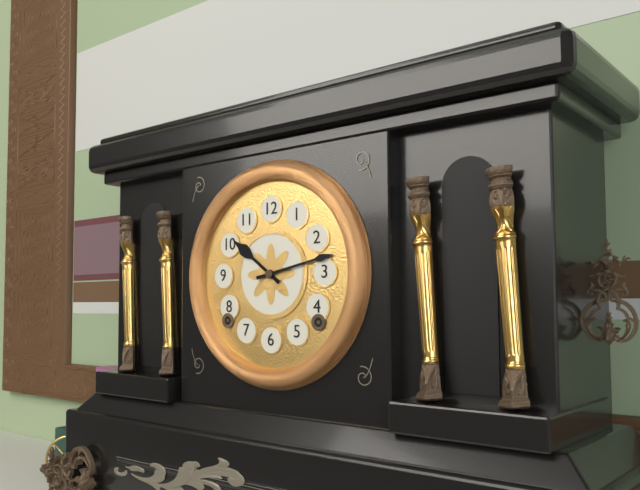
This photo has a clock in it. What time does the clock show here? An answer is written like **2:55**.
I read **10:13**
